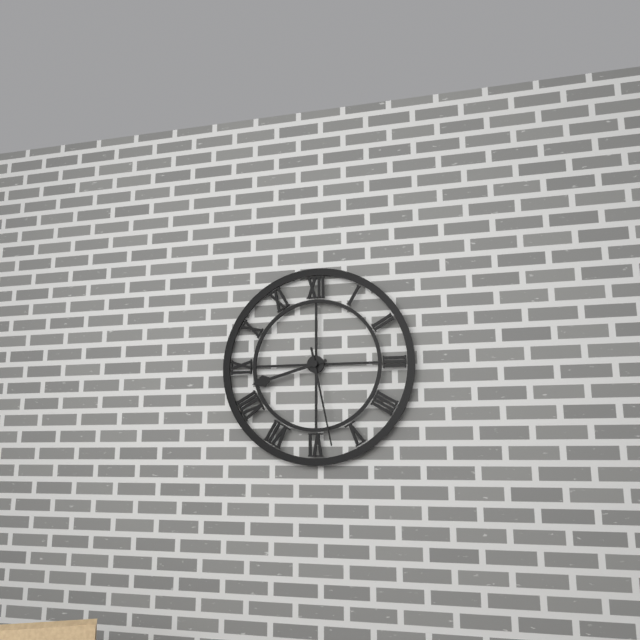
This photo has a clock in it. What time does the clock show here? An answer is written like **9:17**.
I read **8:28**
